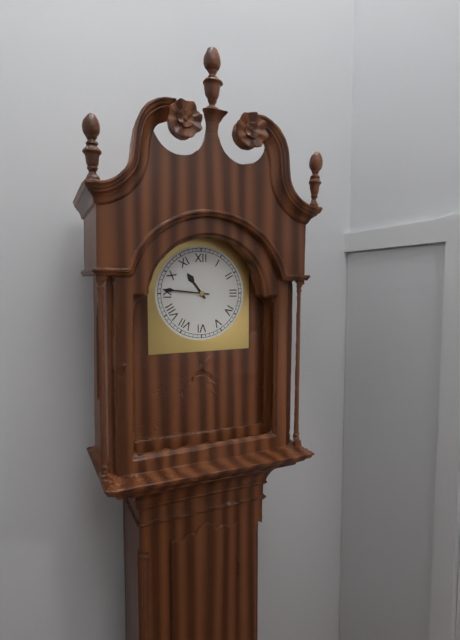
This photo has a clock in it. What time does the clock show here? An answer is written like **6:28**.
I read **10:46**
